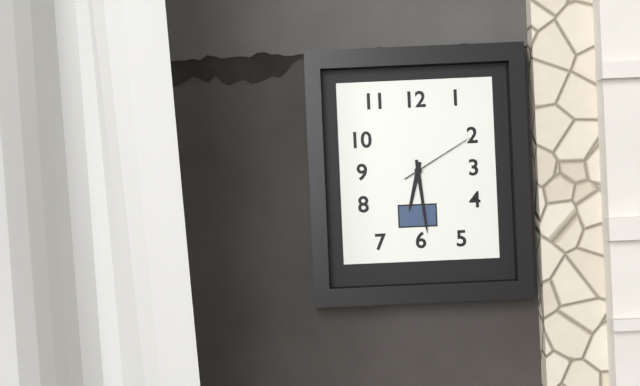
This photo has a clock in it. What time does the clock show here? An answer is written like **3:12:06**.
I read **6:29:10**
